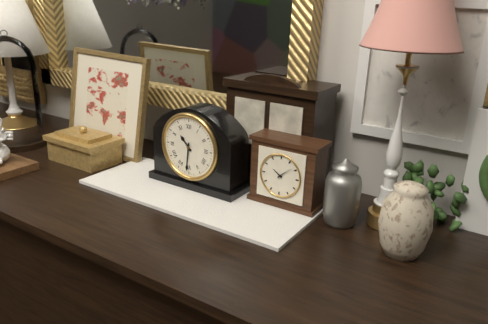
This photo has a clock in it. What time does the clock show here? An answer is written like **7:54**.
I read **10:31**
